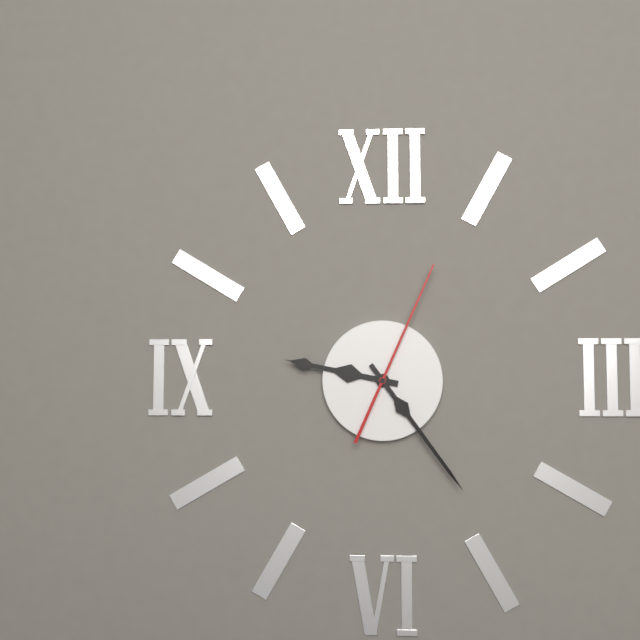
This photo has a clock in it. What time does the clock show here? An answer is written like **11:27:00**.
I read **9:24:04**
